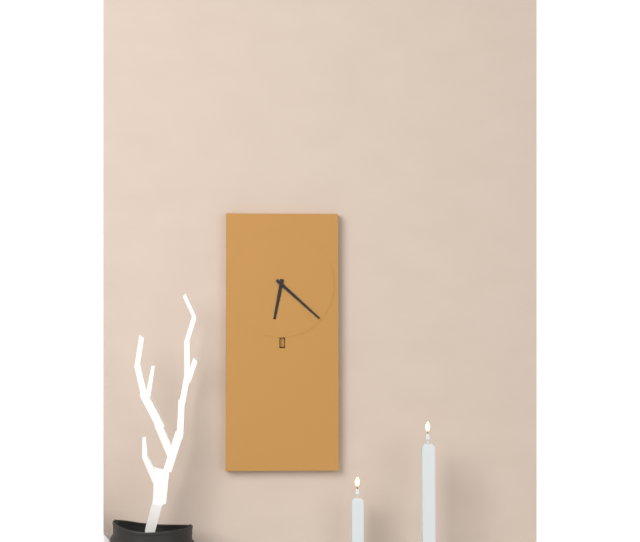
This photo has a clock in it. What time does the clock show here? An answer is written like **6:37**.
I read **6:22**
